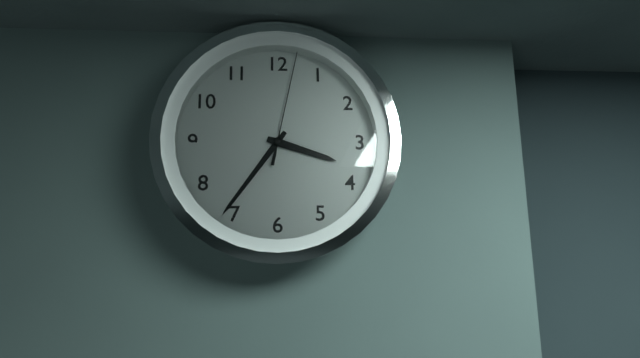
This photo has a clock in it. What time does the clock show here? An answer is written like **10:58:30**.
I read **3:36:02**
